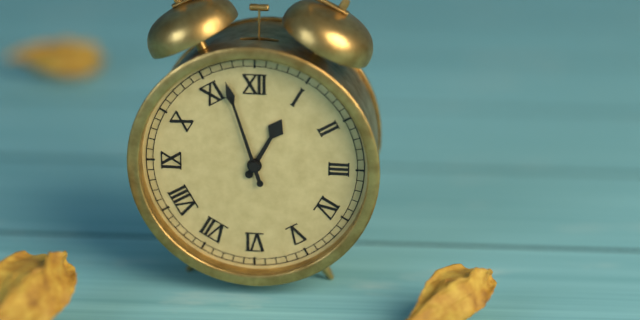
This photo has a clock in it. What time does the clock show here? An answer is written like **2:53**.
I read **12:57**
